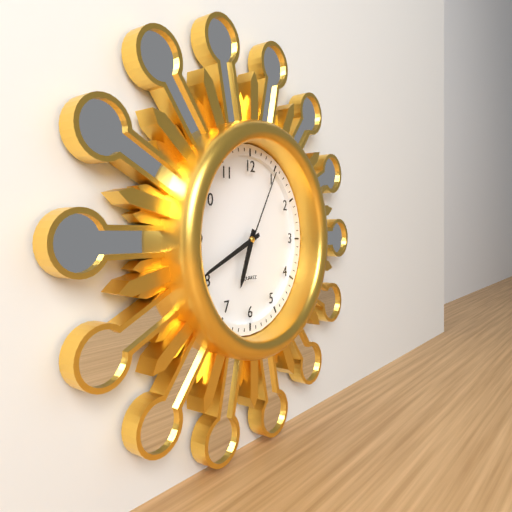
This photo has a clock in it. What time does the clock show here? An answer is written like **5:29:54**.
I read **6:41:05**
